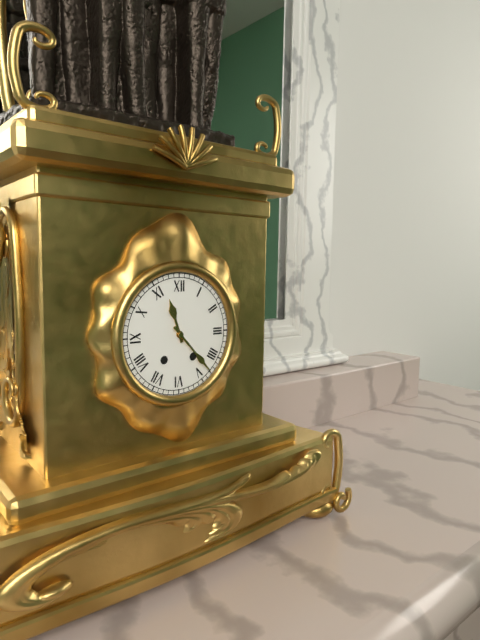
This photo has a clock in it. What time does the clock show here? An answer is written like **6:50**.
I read **11:23**
